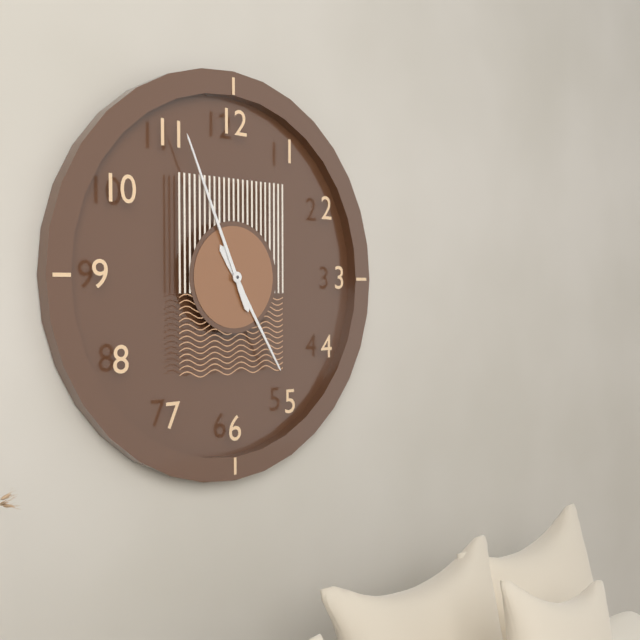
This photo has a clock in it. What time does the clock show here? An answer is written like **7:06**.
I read **4:56**
